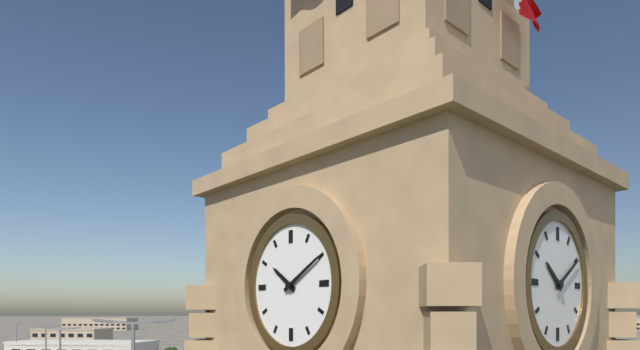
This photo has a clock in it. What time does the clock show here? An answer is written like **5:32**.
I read **10:10**
